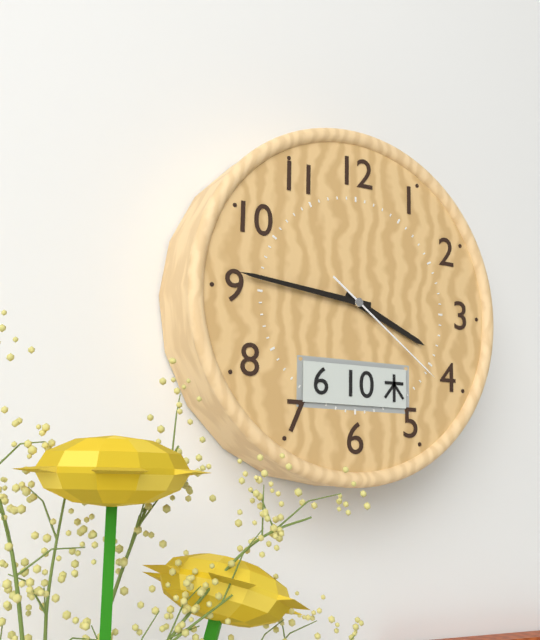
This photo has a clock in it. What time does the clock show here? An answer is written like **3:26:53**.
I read **3:46:21**
